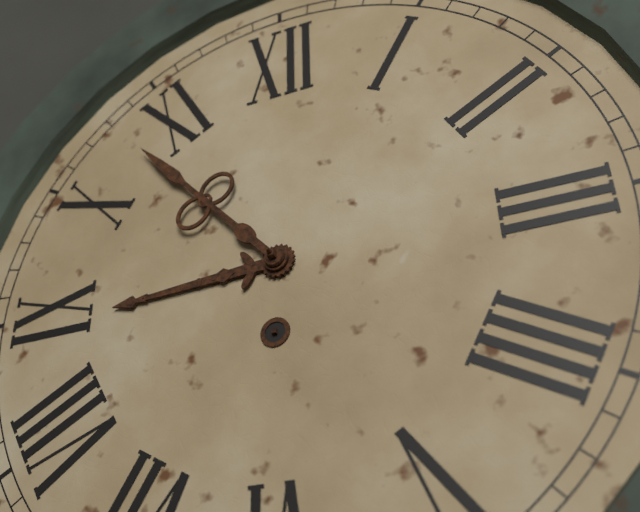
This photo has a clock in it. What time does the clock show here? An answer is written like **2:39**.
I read **8:53**
